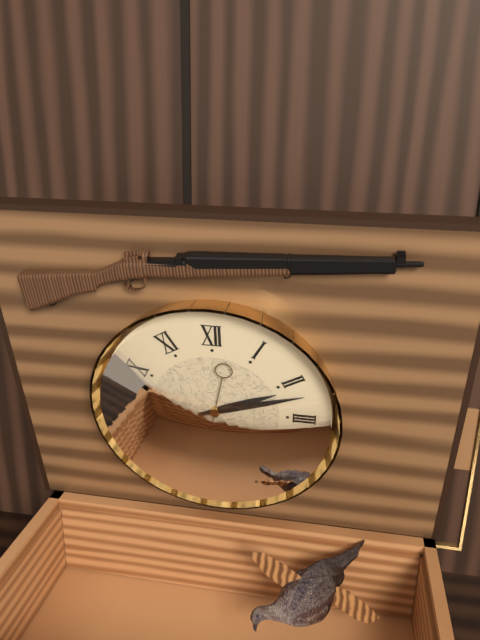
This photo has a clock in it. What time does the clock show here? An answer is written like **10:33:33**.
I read **2:12:32**
